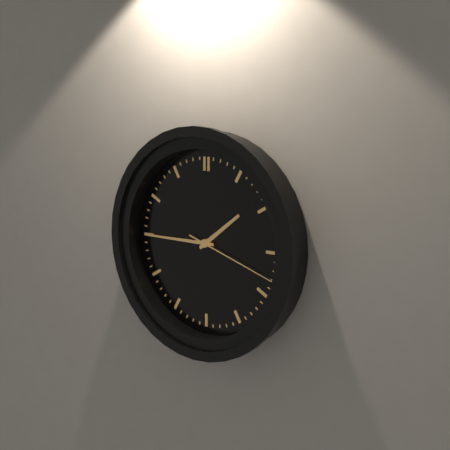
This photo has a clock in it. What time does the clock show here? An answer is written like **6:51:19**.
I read **1:45:18**
